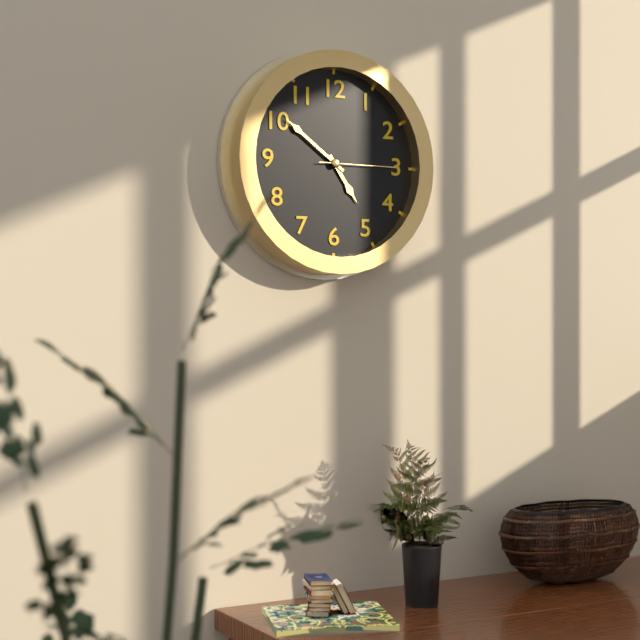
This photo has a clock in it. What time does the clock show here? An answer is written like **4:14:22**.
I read **4:51:15**
